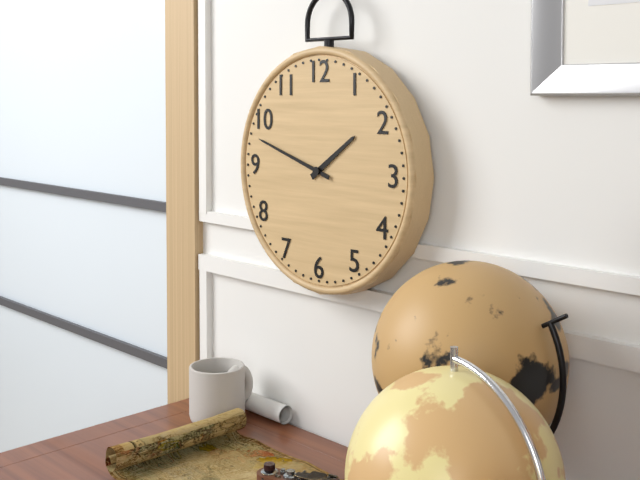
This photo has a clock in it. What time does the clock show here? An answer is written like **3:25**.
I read **1:48**
